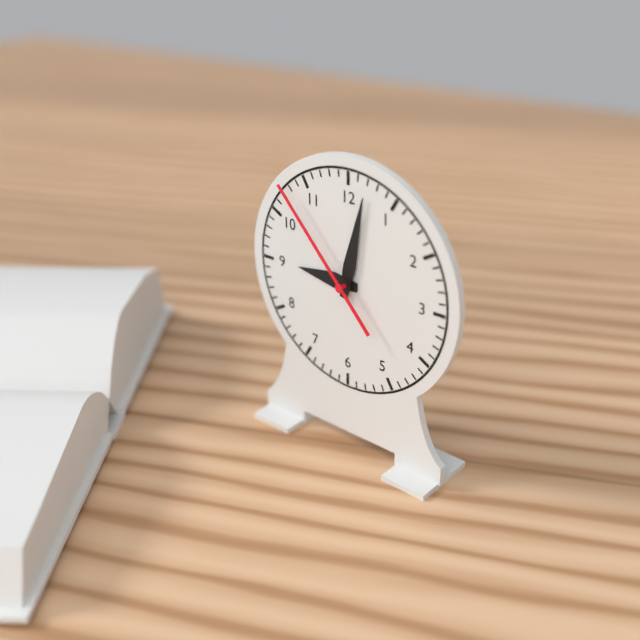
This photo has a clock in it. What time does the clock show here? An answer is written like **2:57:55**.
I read **9:02:53**
